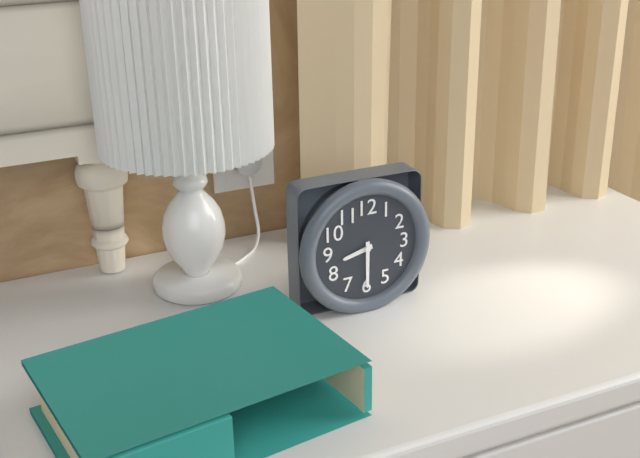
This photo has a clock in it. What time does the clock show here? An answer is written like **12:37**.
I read **8:30**
